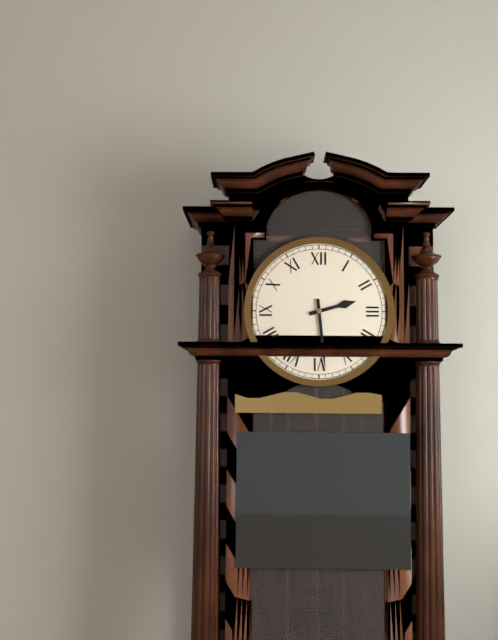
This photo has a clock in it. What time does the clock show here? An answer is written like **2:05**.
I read **2:29**
